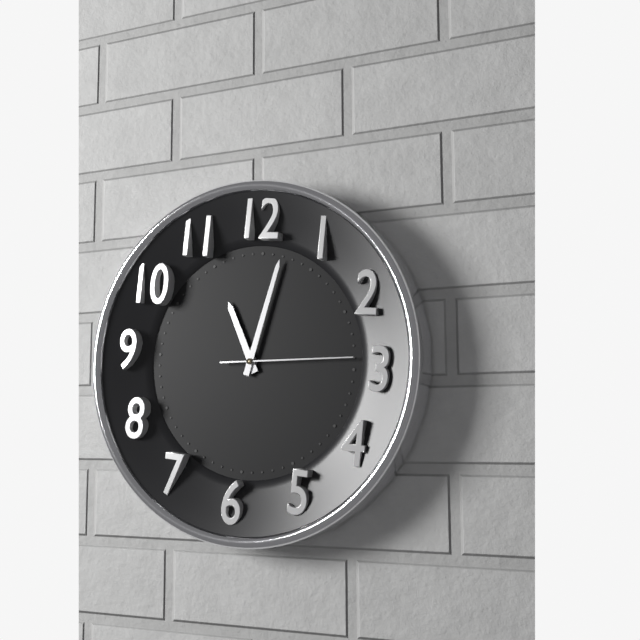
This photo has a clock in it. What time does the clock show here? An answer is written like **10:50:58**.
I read **11:02:14**
